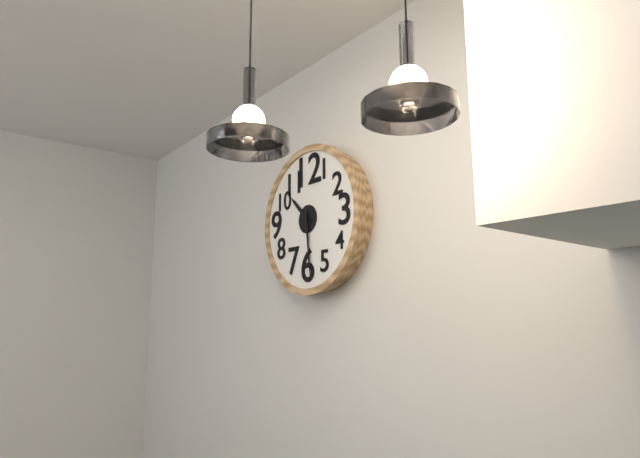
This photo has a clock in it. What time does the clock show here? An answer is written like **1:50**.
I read **10:29**
